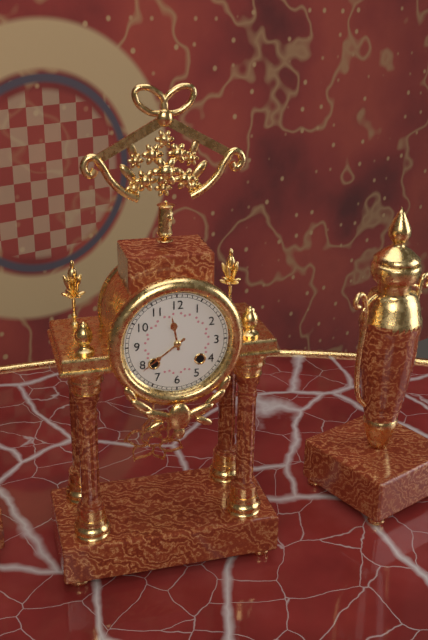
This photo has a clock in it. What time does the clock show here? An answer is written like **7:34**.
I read **11:39**
